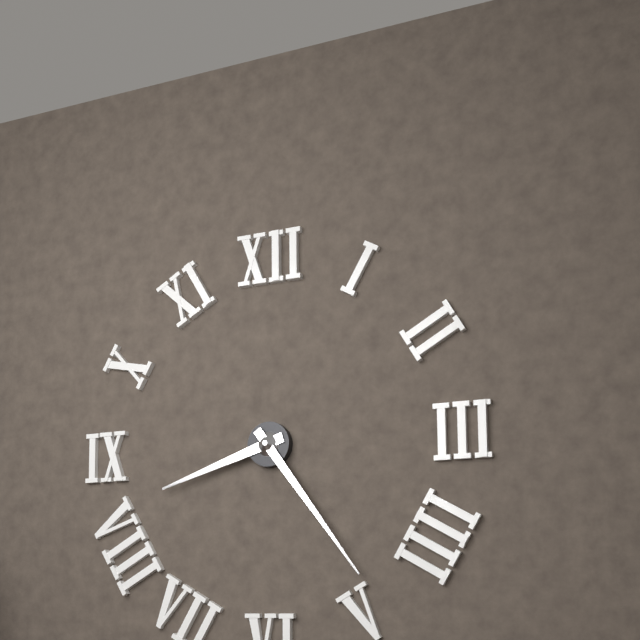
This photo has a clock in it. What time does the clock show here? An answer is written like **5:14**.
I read **8:24**
